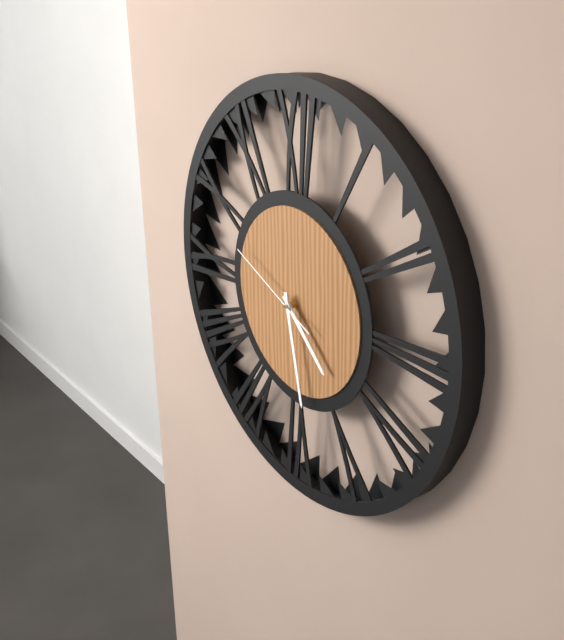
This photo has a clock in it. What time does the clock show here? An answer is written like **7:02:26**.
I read **4:28:49**
